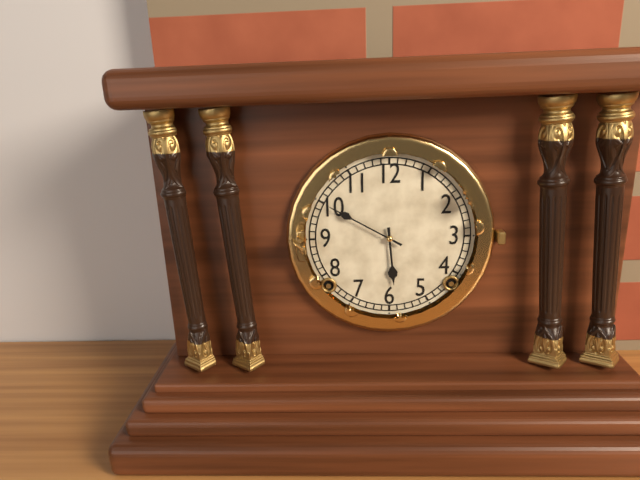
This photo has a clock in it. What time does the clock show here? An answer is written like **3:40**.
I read **5:50**
